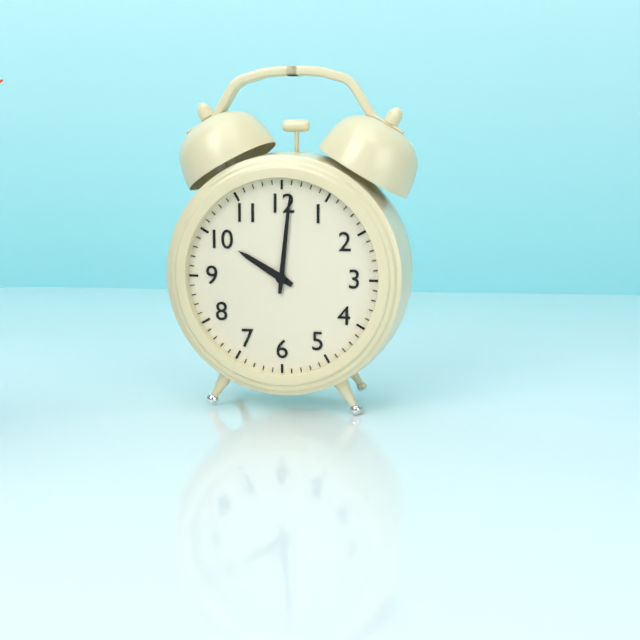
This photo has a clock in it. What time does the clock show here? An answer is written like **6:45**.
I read **10:01**
